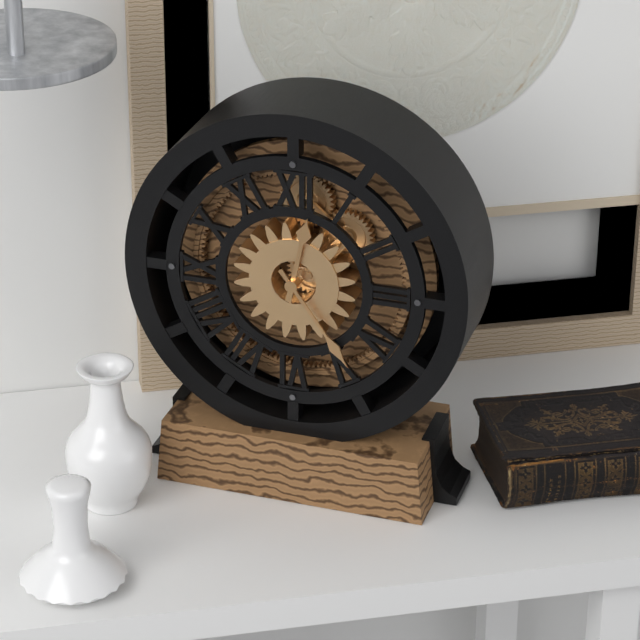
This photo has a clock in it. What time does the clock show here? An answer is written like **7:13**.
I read **12:24**
